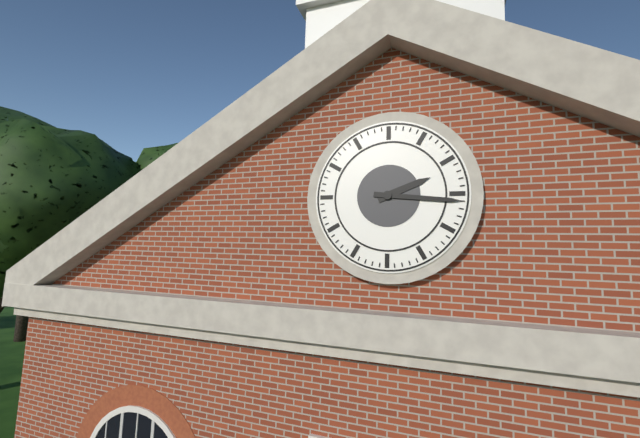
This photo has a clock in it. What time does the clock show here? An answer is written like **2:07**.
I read **2:16**
